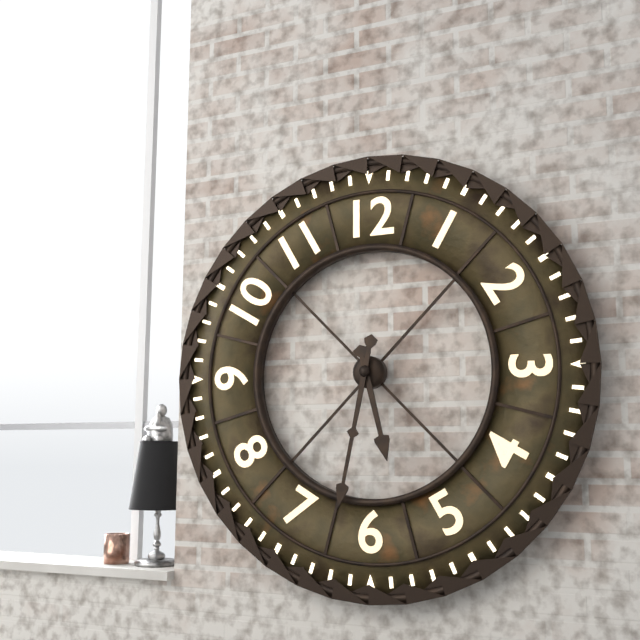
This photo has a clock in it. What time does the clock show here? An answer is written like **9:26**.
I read **5:32**
